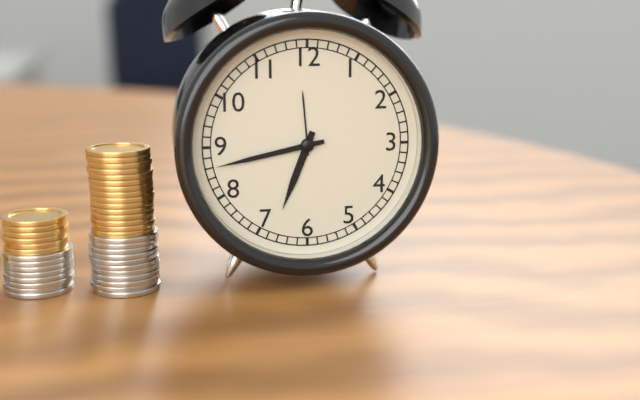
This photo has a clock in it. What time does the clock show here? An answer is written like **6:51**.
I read **6:43**
